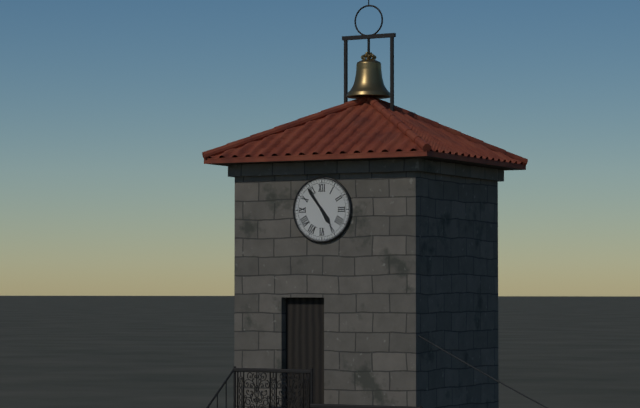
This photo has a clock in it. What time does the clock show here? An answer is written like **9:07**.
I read **4:54**
